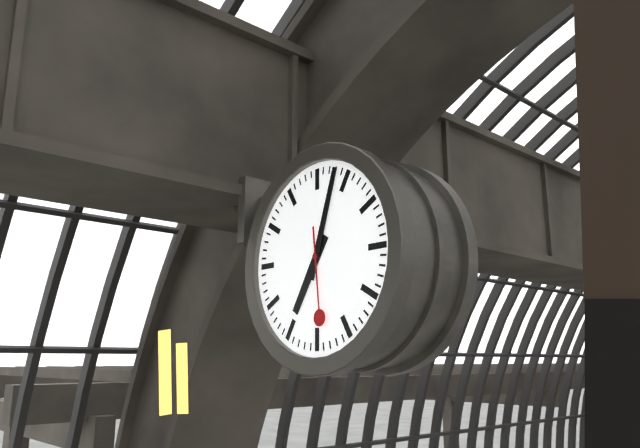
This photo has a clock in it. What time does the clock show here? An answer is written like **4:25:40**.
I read **7:03:29**
